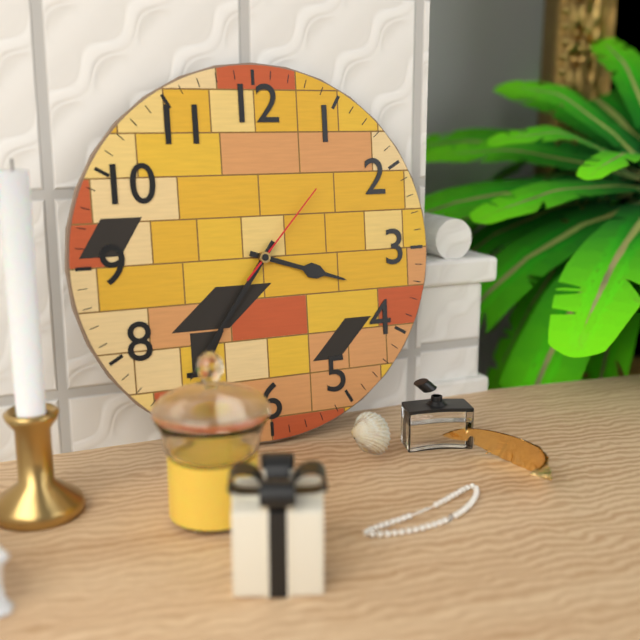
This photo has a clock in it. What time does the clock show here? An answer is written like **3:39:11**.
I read **3:36:07**
